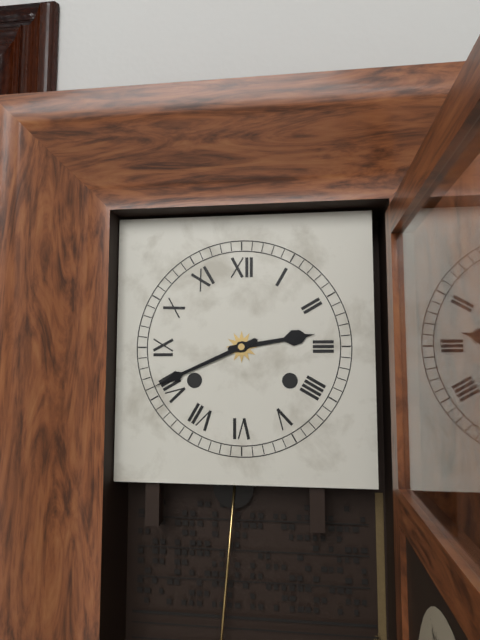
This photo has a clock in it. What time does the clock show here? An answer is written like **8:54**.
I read **2:41**
